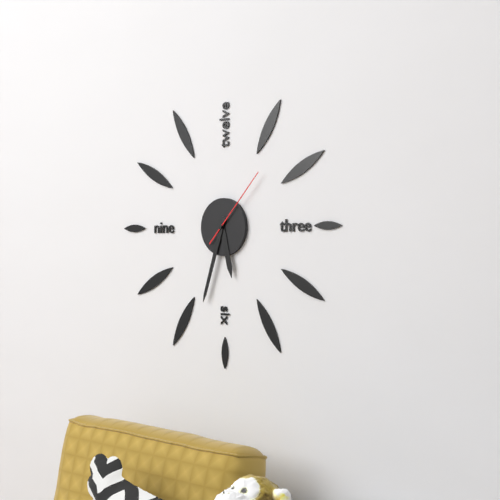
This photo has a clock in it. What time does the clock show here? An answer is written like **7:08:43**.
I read **5:33:07**
